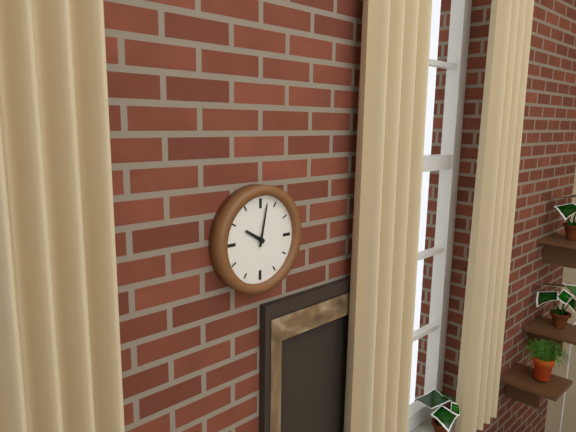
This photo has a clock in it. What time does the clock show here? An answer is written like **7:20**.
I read **10:02**
